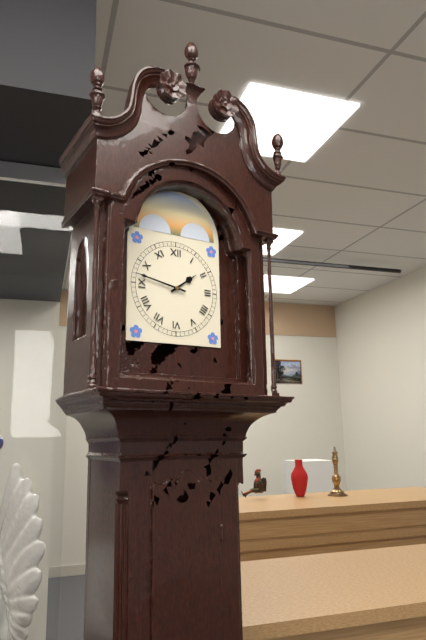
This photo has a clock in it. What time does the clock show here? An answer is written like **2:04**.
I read **1:47**
